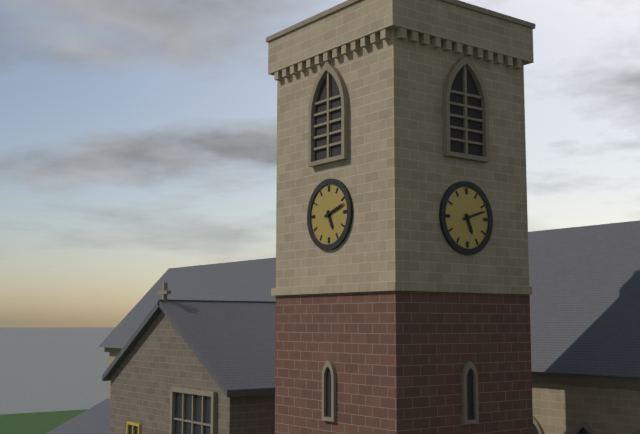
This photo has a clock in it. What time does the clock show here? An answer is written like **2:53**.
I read **5:12**
